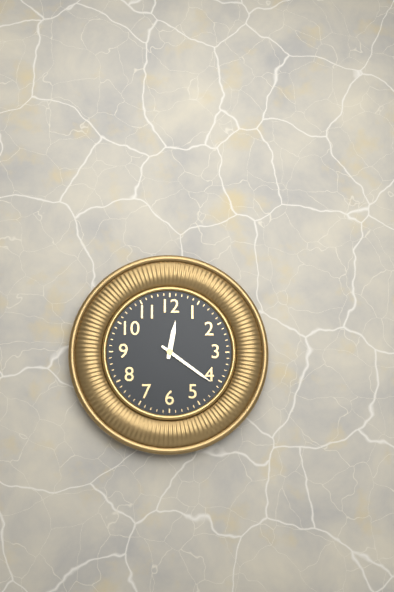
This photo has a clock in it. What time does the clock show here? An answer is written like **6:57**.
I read **12:21**
